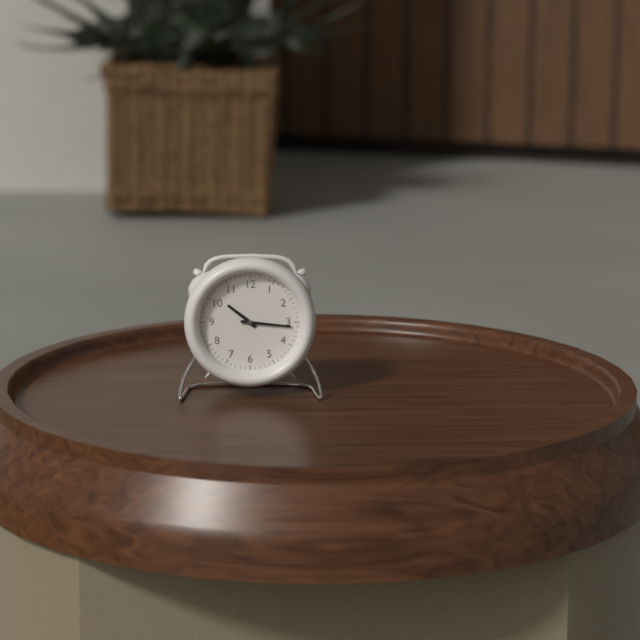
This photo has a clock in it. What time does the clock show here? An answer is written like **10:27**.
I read **10:16**
